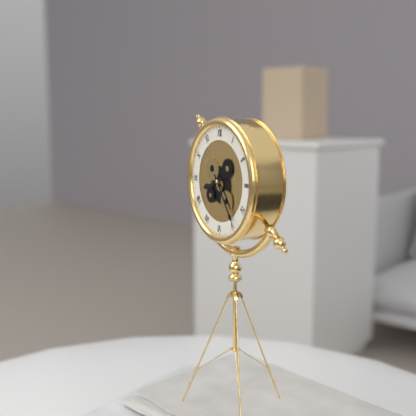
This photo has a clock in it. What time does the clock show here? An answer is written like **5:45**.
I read **8:24**
